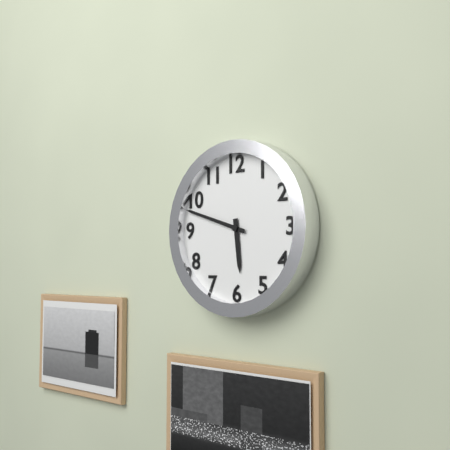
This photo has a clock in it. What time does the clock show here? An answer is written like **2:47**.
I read **5:48**
